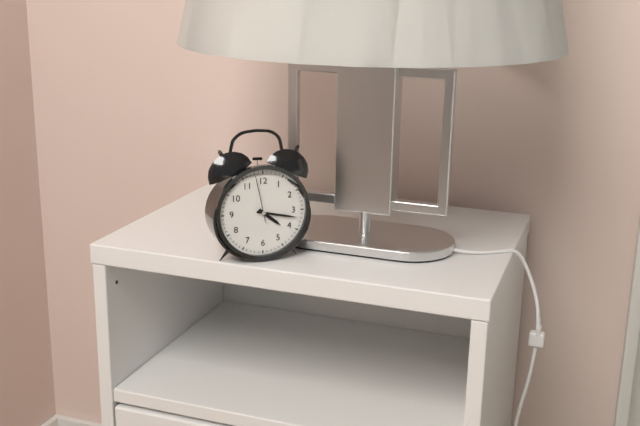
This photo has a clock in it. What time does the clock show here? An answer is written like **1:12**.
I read **4:17**
